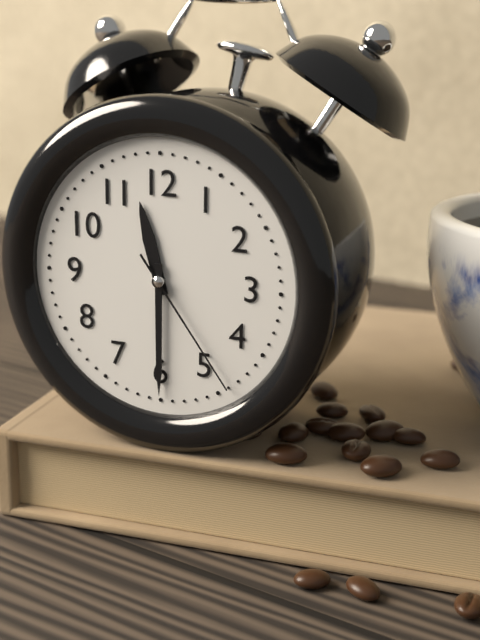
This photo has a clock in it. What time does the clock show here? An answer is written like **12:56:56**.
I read **11:30:24**
